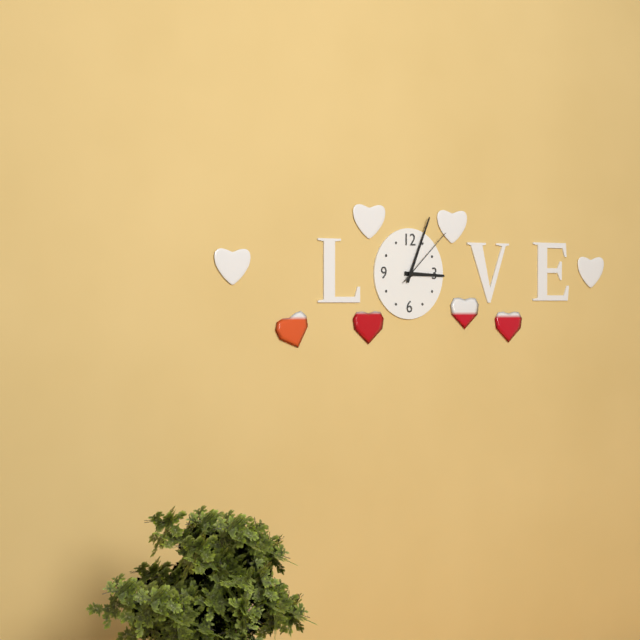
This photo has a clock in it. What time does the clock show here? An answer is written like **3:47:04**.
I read **3:04:08**
